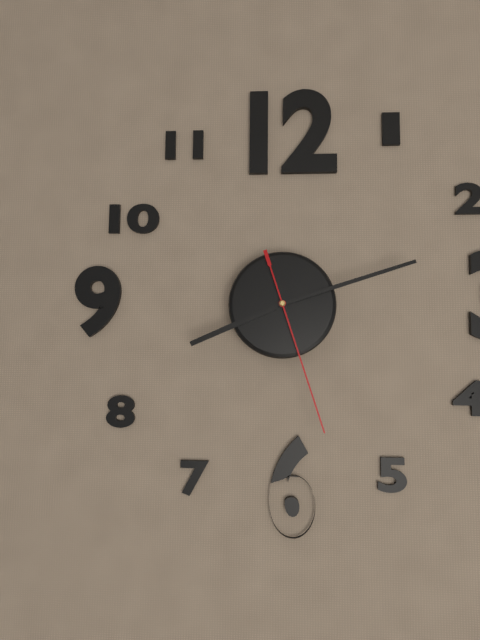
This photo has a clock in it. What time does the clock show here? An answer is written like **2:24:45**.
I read **8:12:27**
